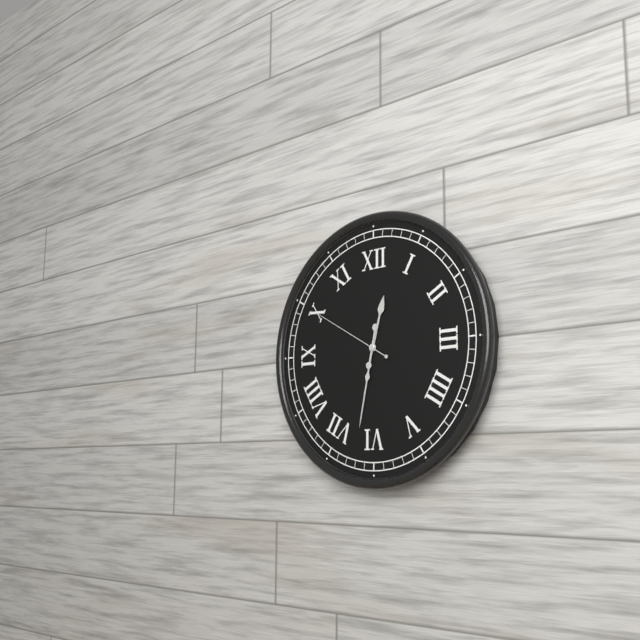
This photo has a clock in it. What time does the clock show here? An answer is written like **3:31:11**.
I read **12:32:50**
